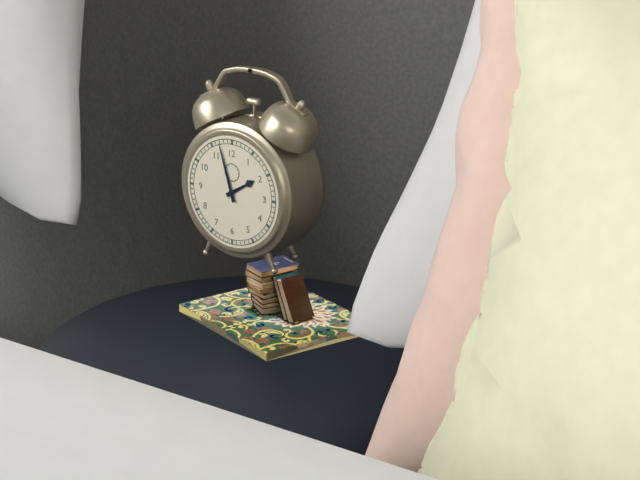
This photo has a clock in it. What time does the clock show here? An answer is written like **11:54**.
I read **1:57**
